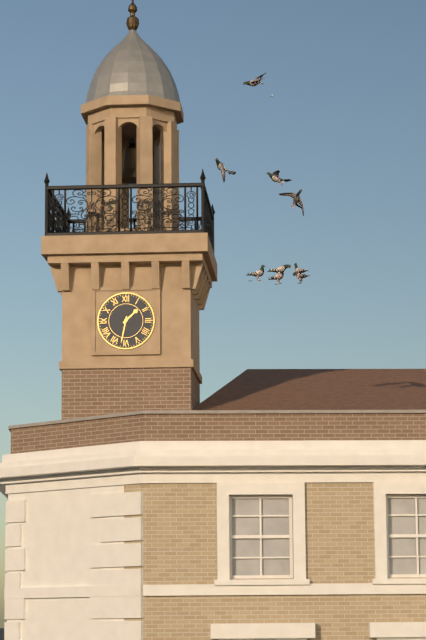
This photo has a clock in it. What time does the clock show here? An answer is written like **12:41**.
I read **1:32**
